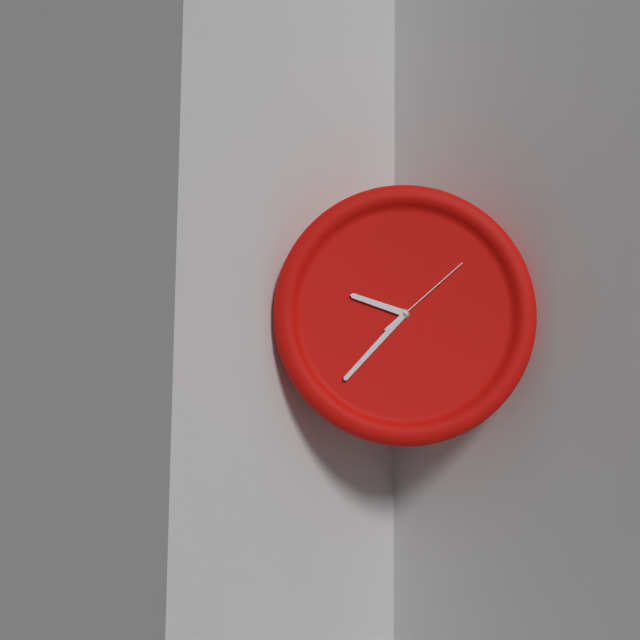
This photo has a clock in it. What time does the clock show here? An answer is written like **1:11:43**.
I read **9:37:08**
